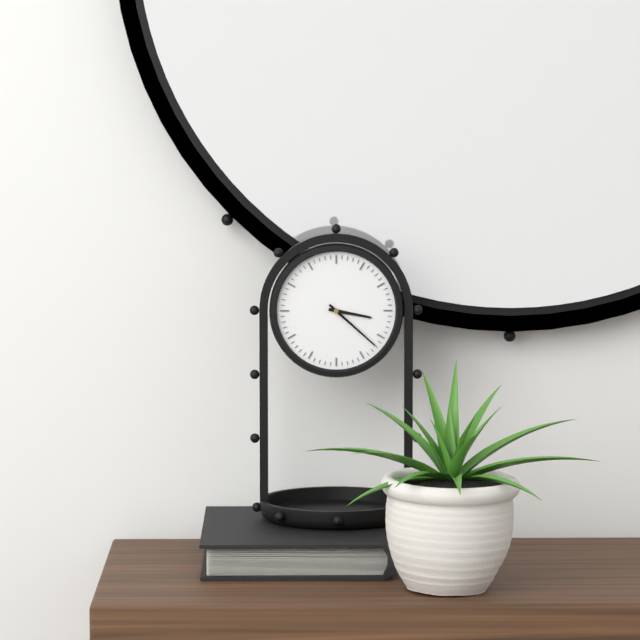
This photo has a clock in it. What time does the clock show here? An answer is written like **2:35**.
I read **3:22**
